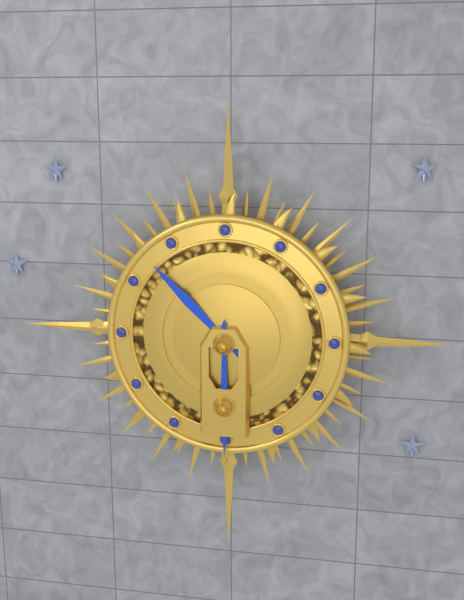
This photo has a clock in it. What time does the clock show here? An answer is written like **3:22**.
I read **10:30**
